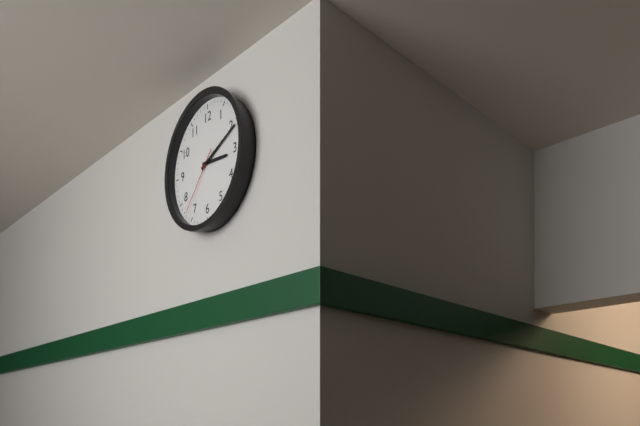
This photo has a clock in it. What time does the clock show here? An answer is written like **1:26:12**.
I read **3:11:37**
